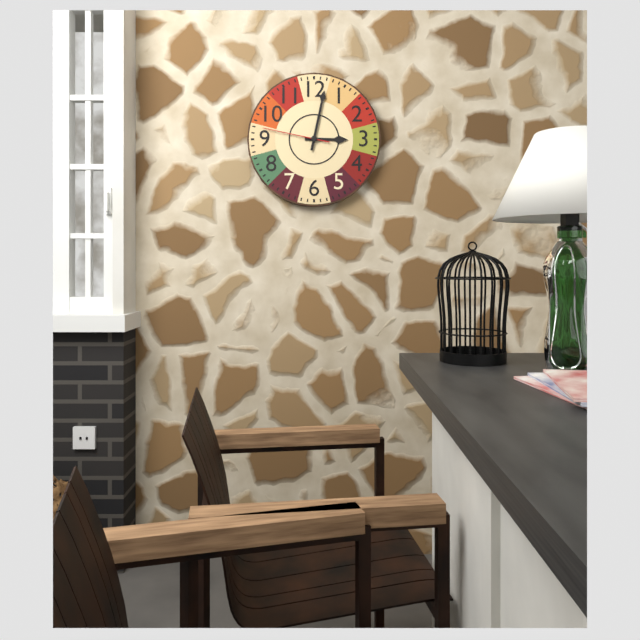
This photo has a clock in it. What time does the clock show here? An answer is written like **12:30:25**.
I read **3:02:47**
